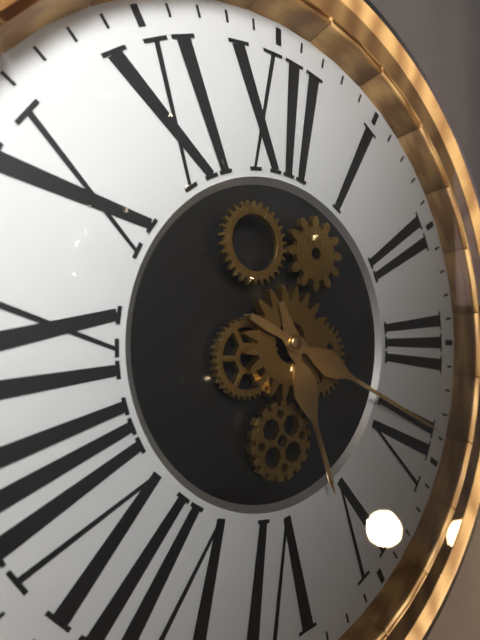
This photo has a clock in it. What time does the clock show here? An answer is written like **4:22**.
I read **5:19**
